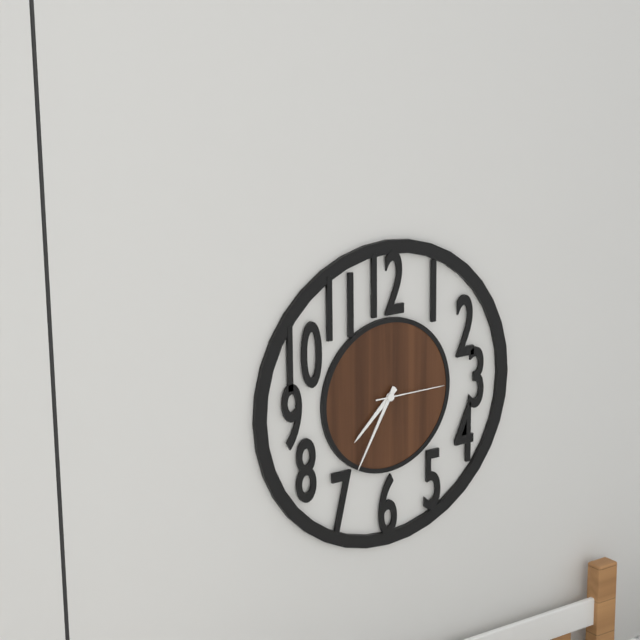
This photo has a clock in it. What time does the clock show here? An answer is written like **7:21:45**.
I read **7:35:15**
